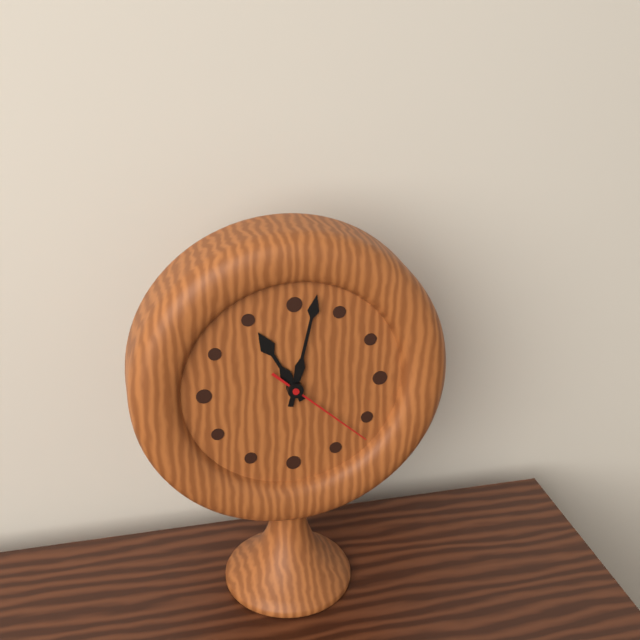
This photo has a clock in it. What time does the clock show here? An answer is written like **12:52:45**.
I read **11:02:22**
